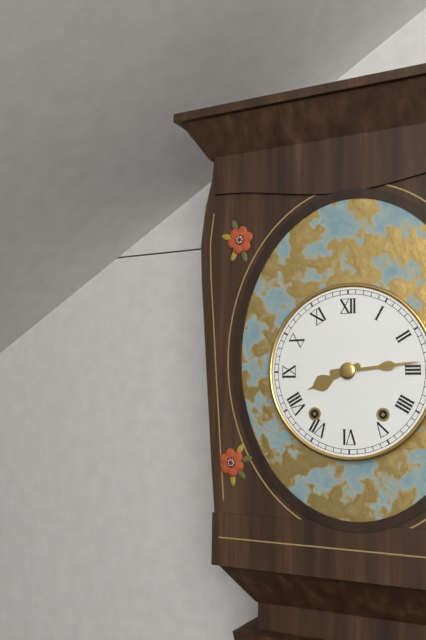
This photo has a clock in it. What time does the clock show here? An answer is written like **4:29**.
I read **8:14**
